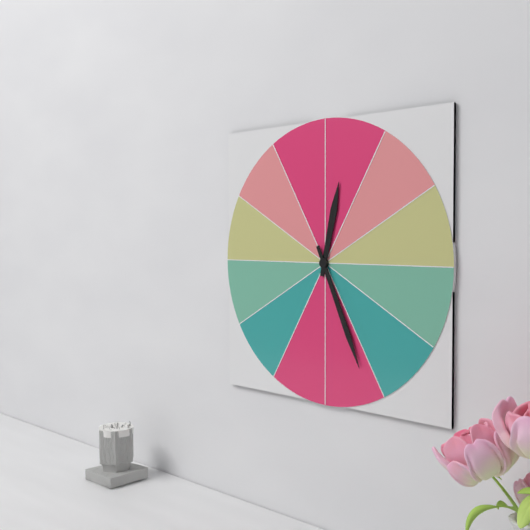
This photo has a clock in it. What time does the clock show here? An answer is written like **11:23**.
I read **12:26**
